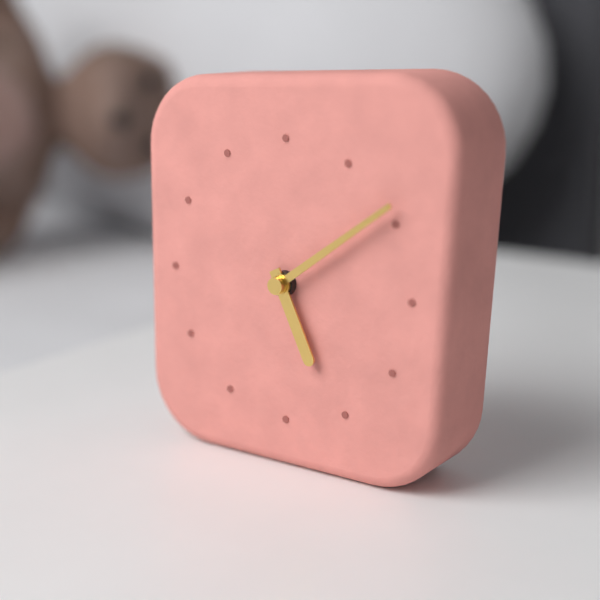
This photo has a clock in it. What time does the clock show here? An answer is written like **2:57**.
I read **5:09**
